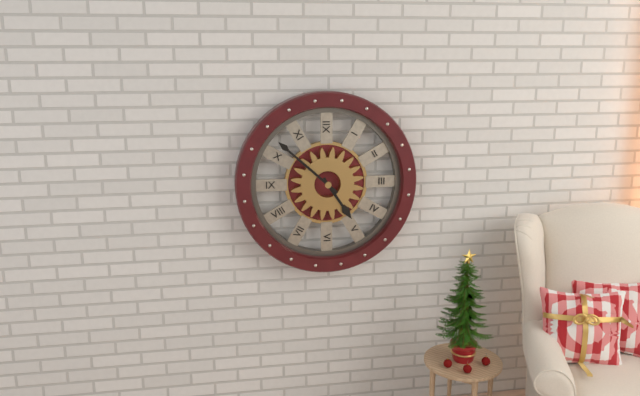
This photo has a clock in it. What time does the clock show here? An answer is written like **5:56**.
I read **4:52**
